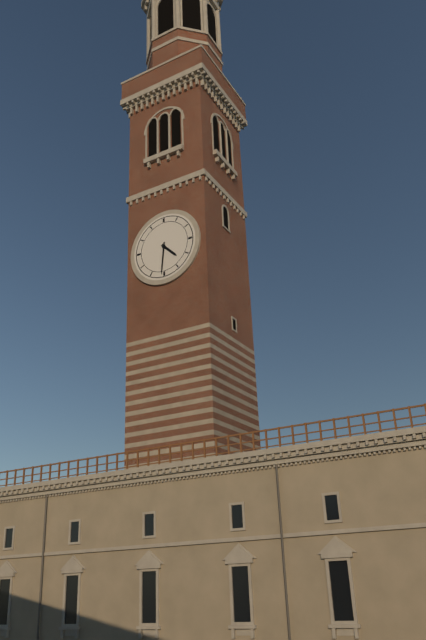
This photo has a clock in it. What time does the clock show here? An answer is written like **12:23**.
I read **4:31**
